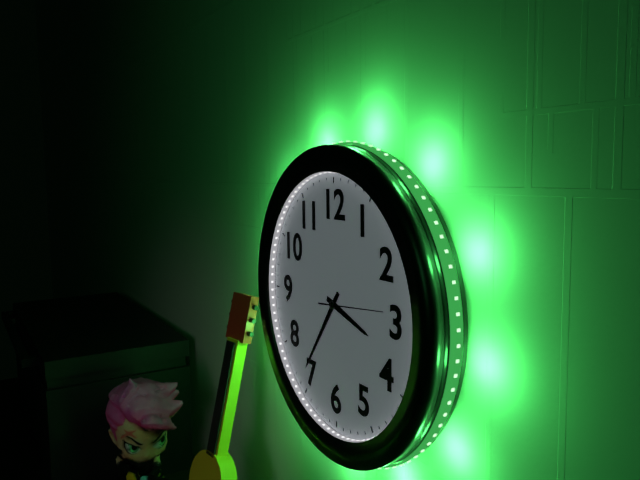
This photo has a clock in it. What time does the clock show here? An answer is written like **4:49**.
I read **3:36**
